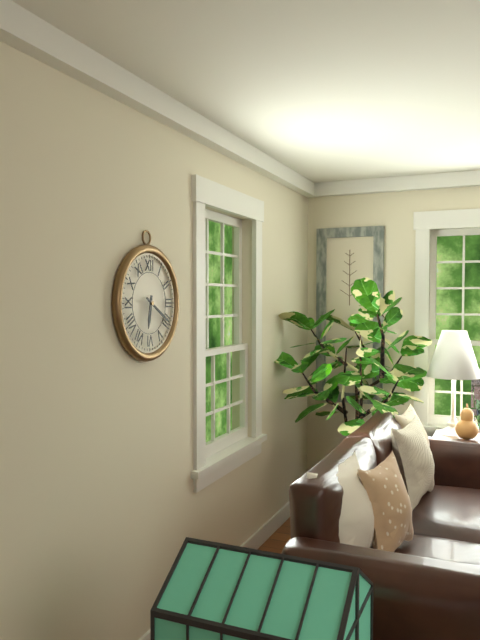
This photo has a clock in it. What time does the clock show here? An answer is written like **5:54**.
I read **6:20**
